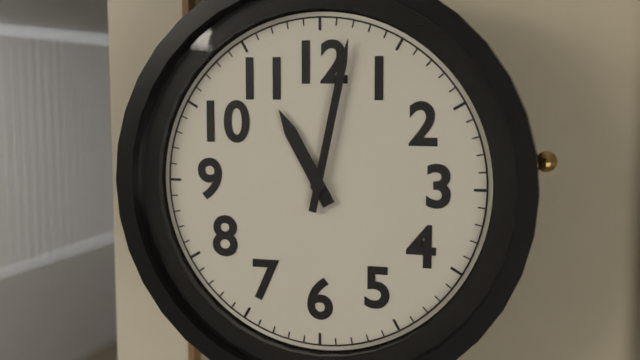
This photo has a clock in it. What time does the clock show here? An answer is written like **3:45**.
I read **11:02**
